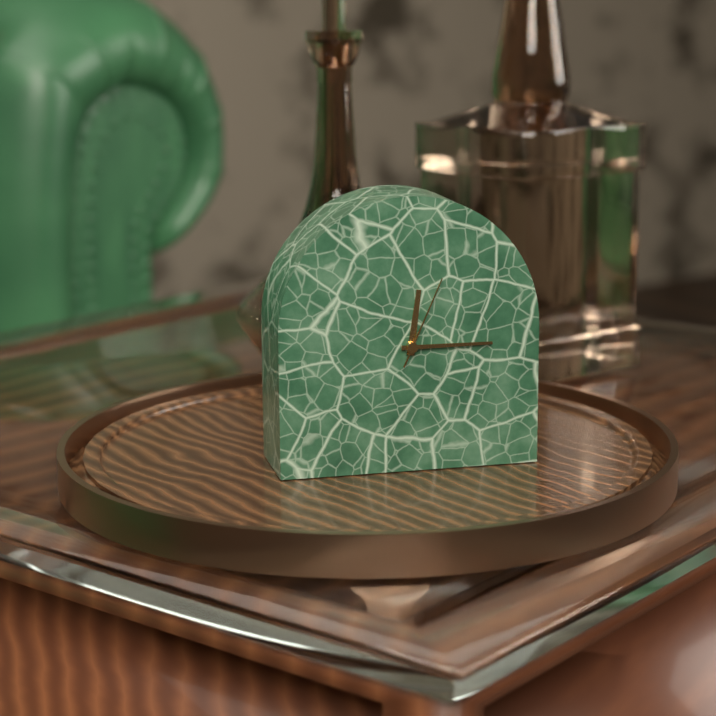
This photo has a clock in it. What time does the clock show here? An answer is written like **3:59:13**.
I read **12:15:04**
